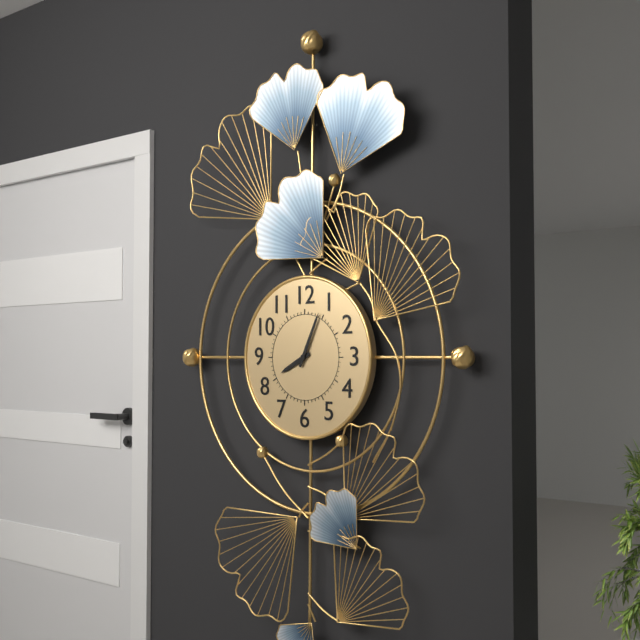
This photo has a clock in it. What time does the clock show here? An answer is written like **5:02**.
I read **8:04**
